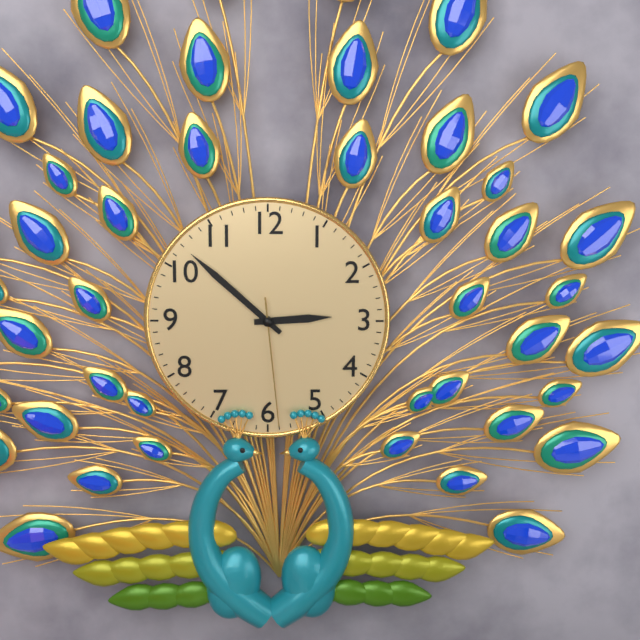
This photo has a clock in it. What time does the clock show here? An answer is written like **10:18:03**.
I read **2:52:29**
